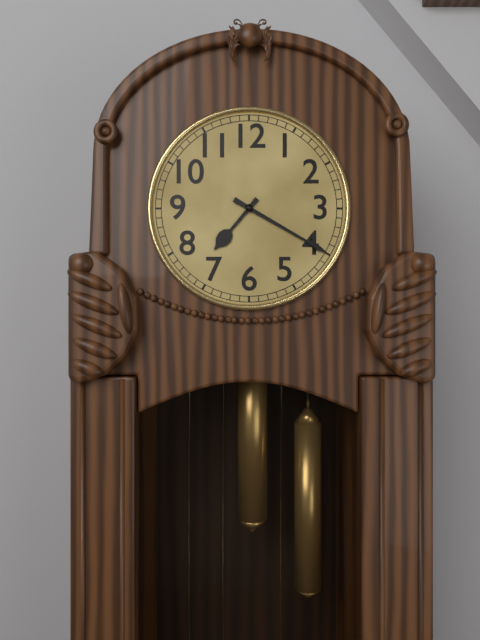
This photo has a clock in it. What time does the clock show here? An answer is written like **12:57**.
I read **7:20**
